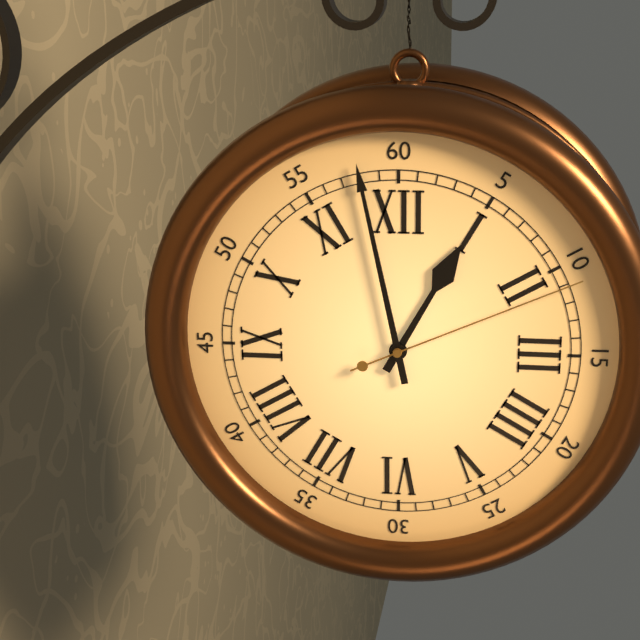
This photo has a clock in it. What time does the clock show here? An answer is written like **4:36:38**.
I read **12:58:11**
